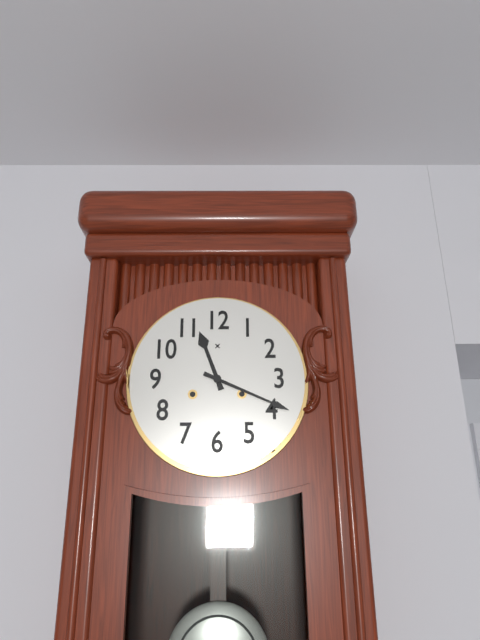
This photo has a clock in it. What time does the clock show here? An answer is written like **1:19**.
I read **11:19**
